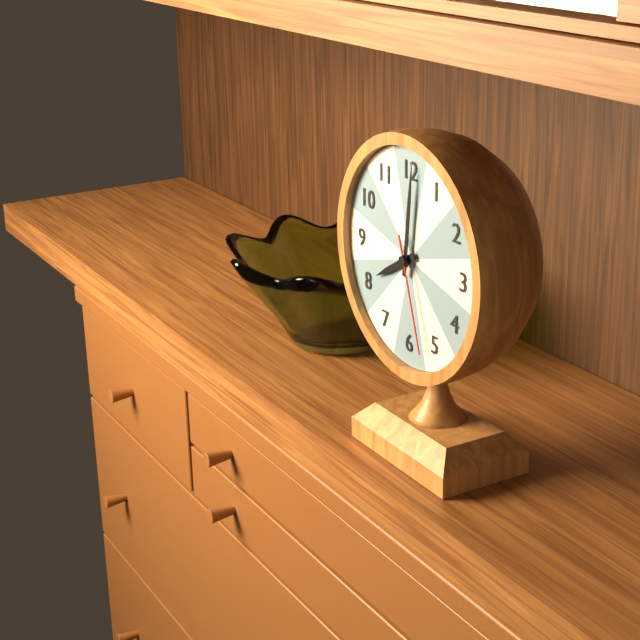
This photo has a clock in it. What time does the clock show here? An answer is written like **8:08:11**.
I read **8:01:27**
